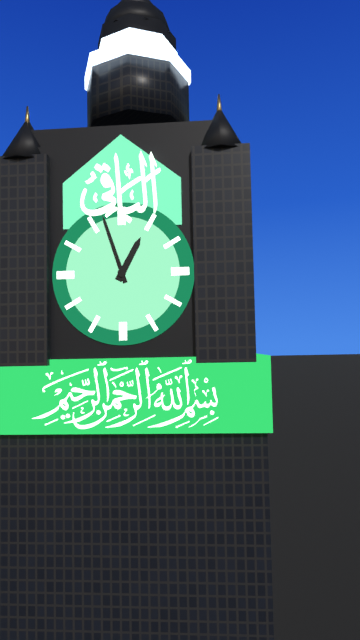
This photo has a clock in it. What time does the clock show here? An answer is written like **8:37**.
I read **12:57**
